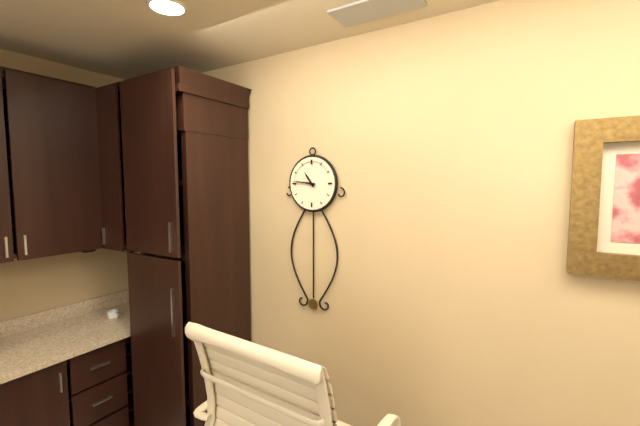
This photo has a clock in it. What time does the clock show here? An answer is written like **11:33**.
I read **10:46**
